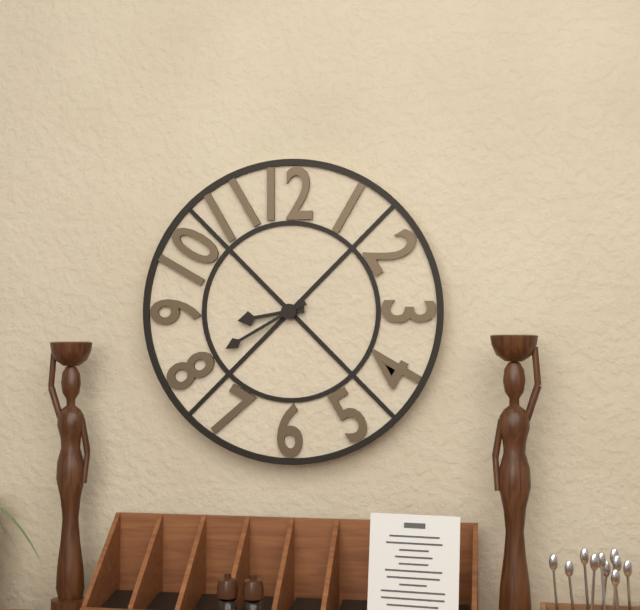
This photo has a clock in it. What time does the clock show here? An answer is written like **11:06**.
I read **8:40**
